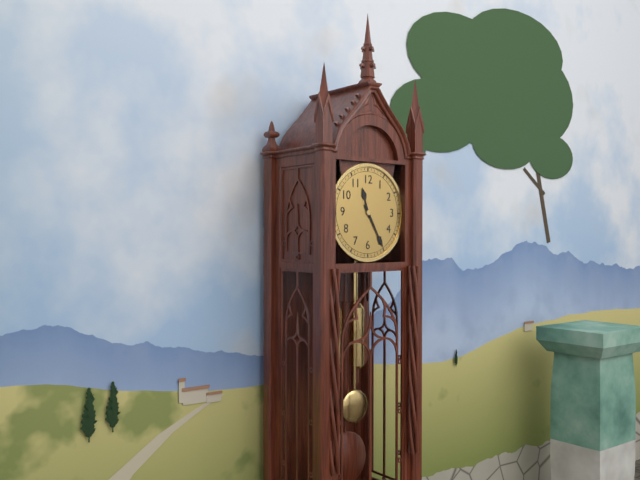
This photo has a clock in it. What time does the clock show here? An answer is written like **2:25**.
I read **11:25**
